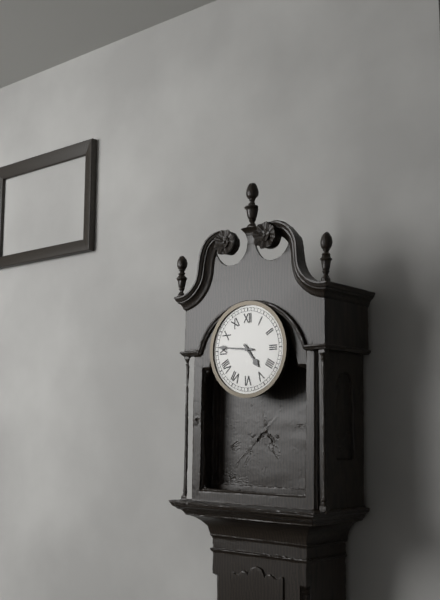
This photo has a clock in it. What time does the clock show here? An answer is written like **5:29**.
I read **4:46**
